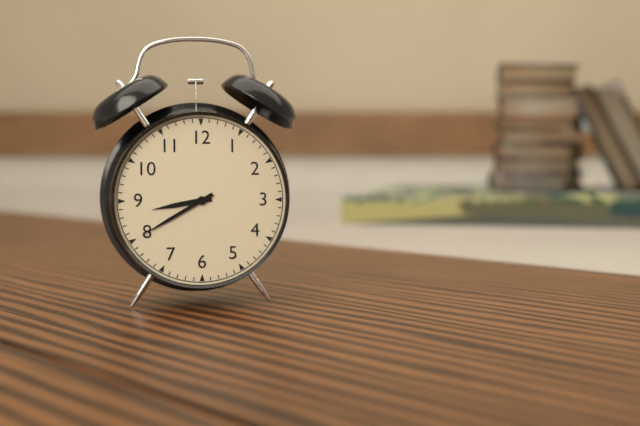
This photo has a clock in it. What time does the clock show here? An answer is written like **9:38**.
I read **8:40**
